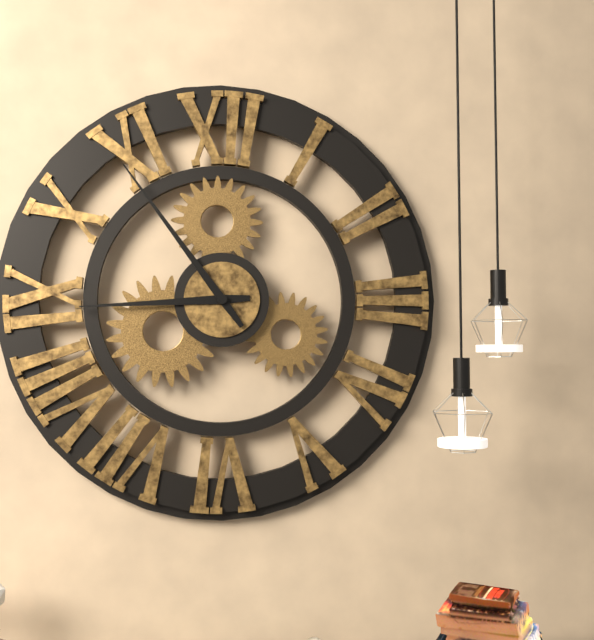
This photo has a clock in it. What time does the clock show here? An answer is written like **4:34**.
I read **8:54**
